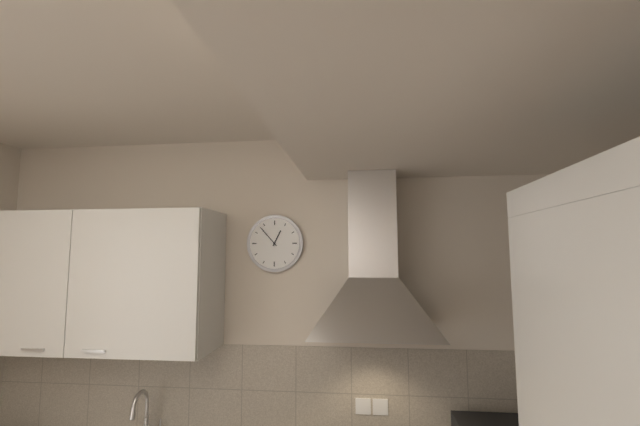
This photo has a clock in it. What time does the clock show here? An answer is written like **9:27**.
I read **12:53**
